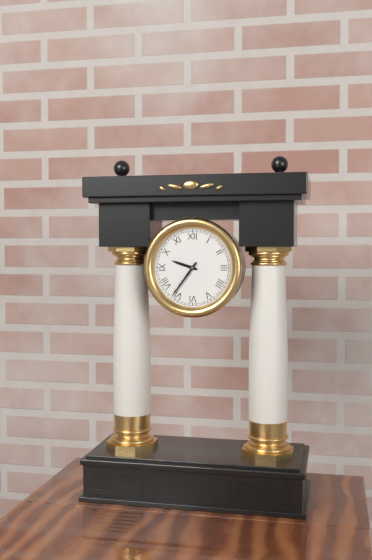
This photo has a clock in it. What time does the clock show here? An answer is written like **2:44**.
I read **9:36**
